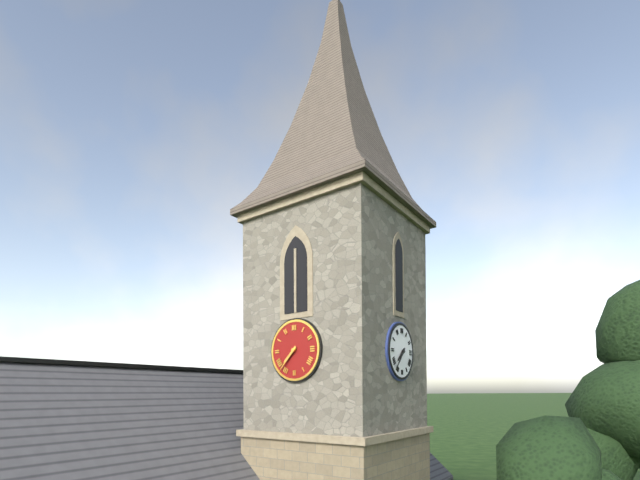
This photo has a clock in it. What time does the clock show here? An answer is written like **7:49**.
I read **7:37**
